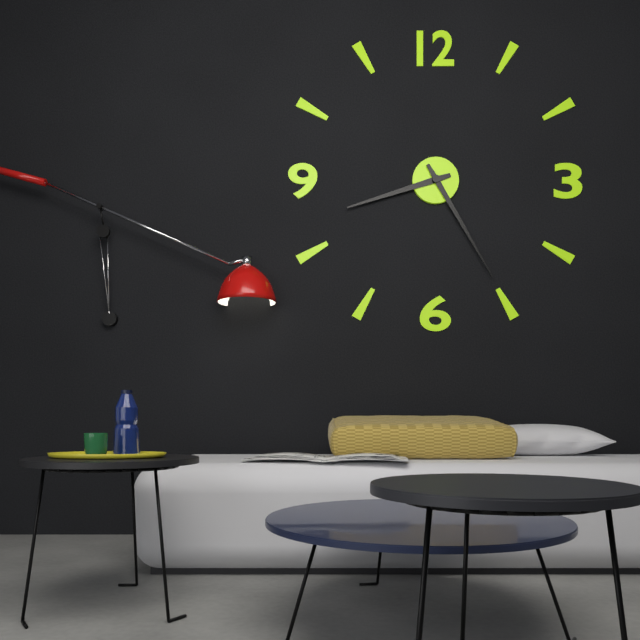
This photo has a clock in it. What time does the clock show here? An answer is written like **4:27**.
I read **8:25**
